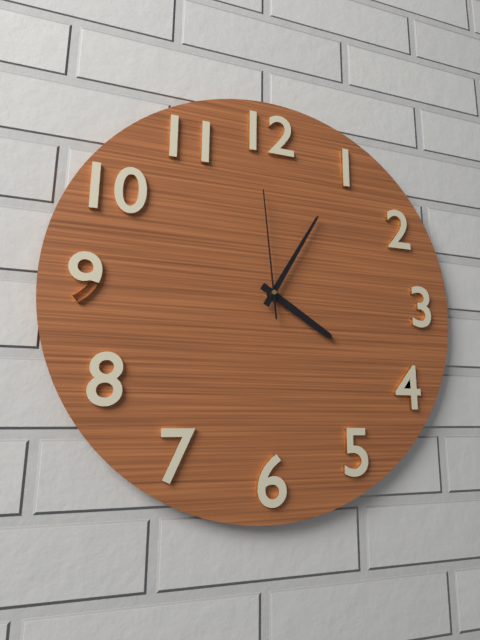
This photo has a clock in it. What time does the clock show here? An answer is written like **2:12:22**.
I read **4:05:59**
